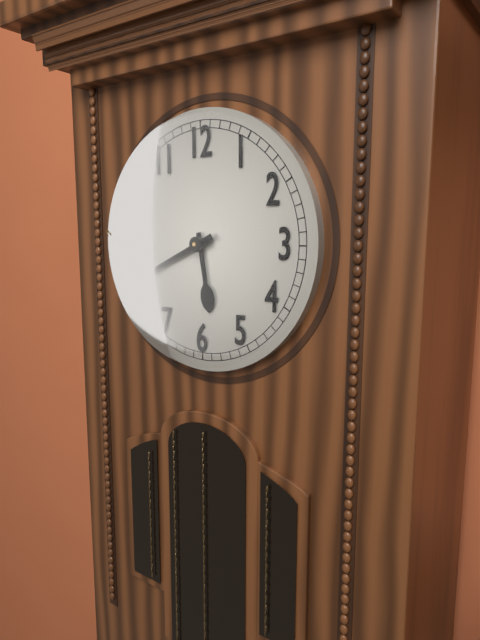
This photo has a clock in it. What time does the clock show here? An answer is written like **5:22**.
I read **5:41**
